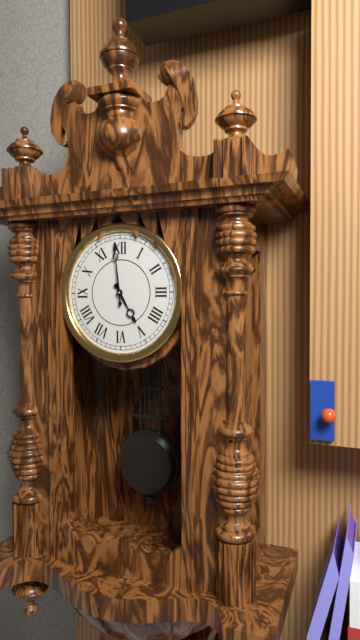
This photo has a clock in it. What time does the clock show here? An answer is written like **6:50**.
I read **4:59**
